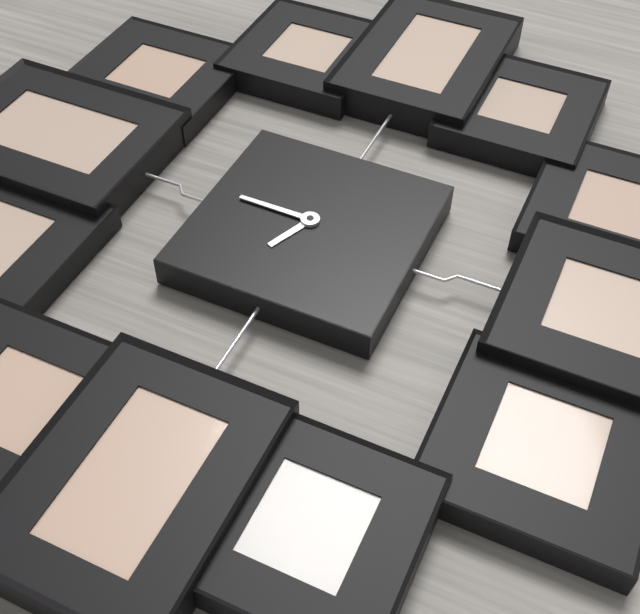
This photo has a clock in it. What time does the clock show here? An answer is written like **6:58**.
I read **6:45**
